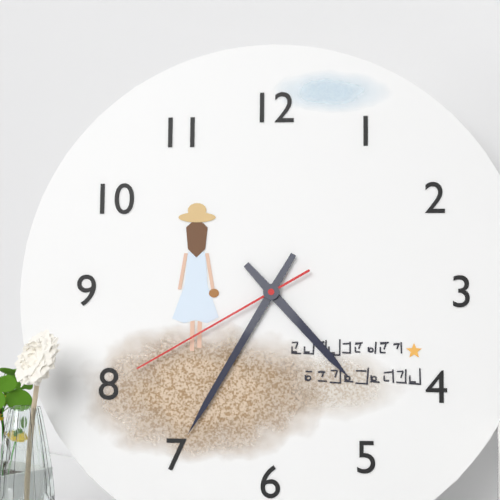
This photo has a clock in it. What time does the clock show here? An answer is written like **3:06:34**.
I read **4:35:40**
